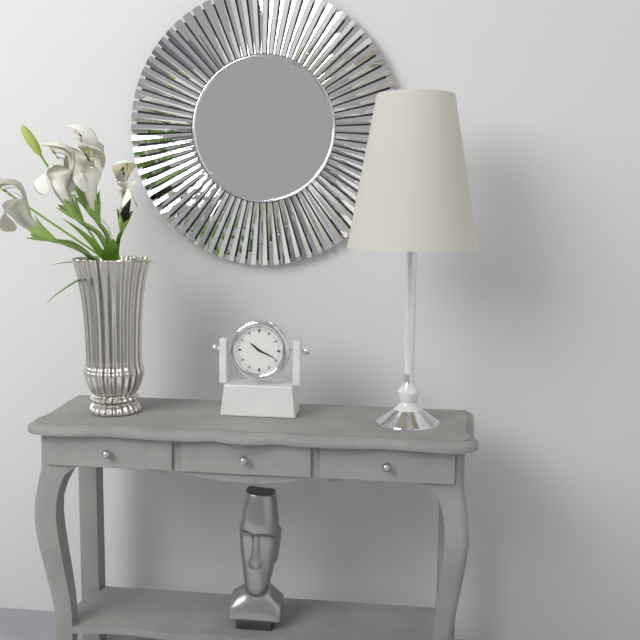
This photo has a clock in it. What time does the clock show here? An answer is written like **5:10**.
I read **10:19**
